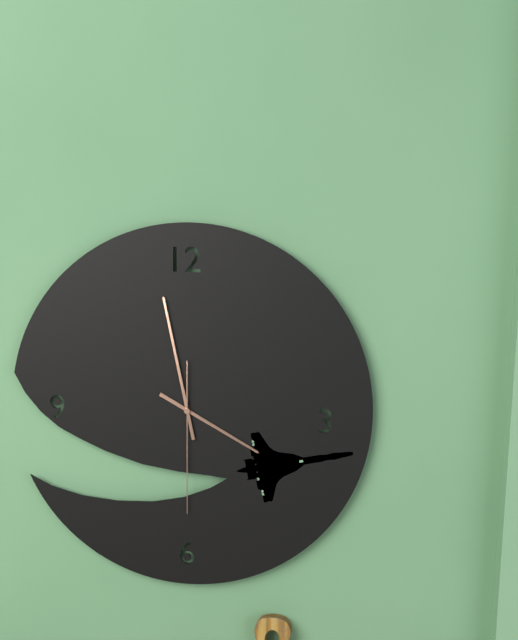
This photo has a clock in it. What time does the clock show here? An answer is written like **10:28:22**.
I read **3:58:30**
